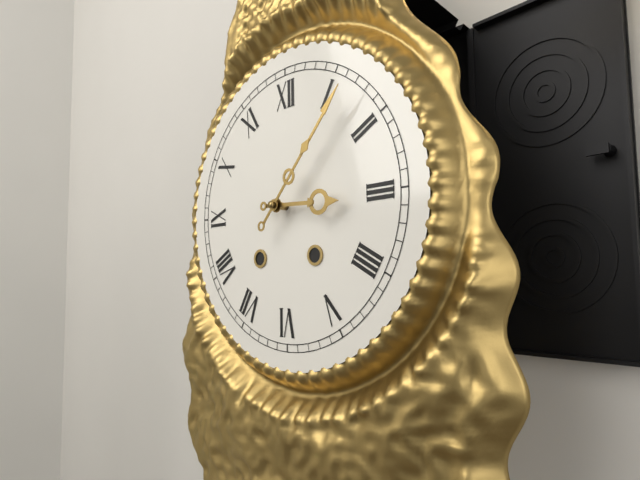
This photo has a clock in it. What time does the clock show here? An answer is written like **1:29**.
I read **3:07**
